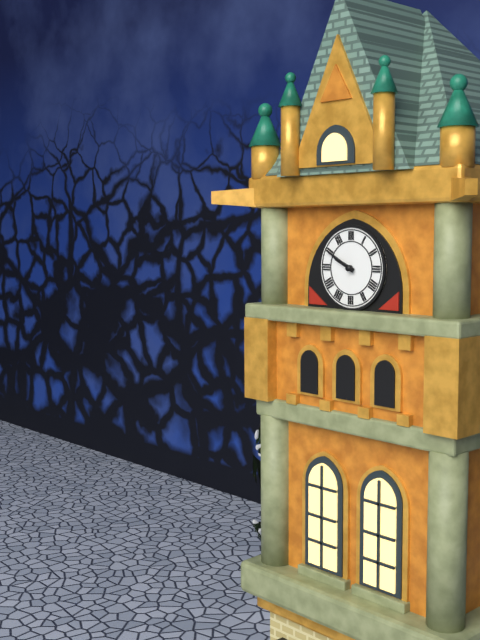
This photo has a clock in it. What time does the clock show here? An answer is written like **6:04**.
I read **9:50**
